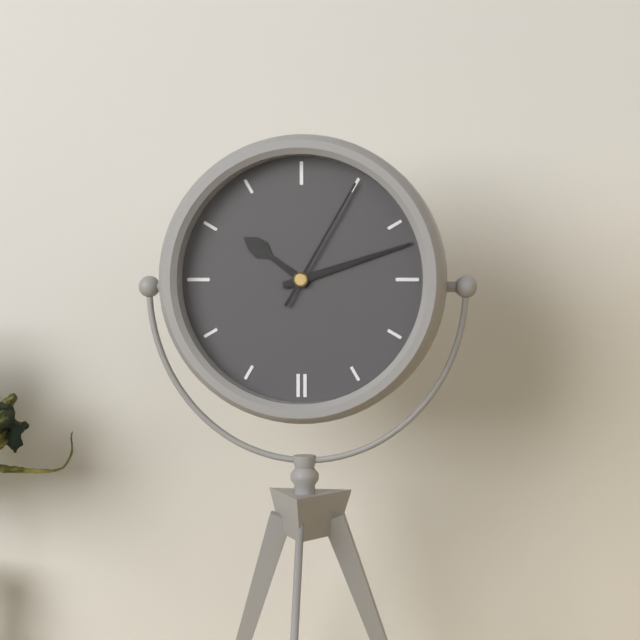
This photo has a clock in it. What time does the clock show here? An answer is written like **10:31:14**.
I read **10:12:05**
